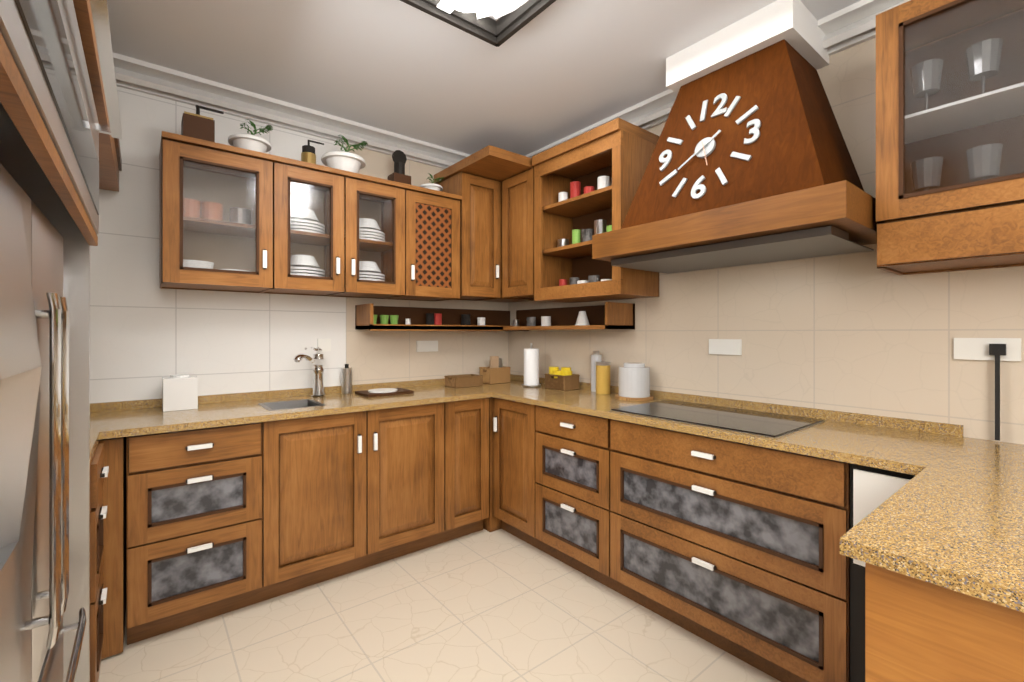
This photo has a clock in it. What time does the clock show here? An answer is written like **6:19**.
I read **1:39**
